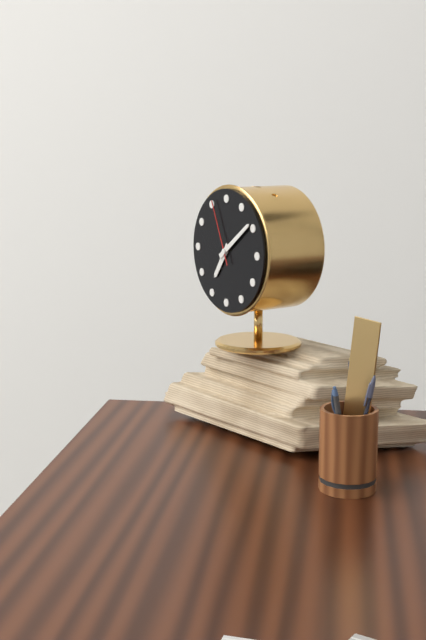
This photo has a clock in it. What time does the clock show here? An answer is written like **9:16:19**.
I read **7:09:56**
